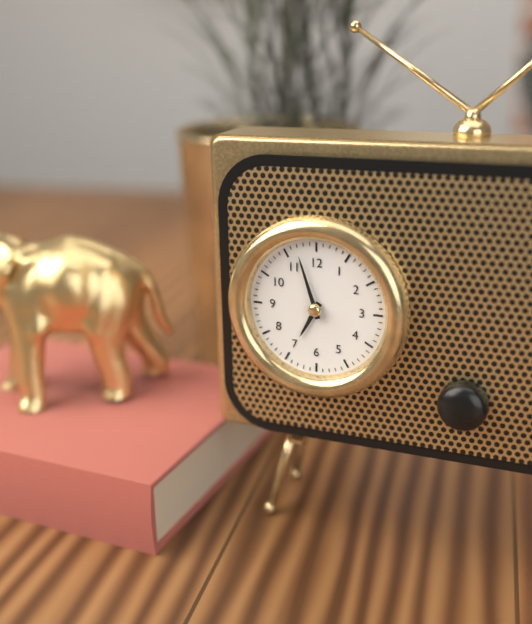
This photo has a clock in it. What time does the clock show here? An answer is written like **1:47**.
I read **6:57**
